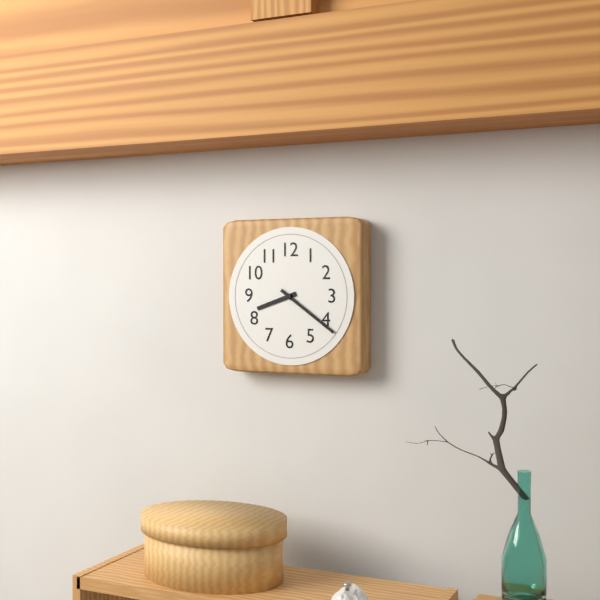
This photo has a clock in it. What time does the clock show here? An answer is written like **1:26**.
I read **8:21**
